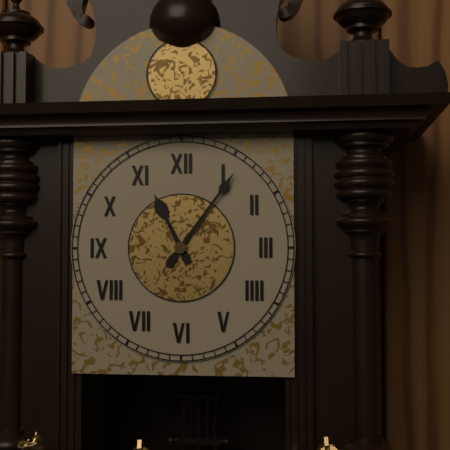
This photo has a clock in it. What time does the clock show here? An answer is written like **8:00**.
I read **11:06**
